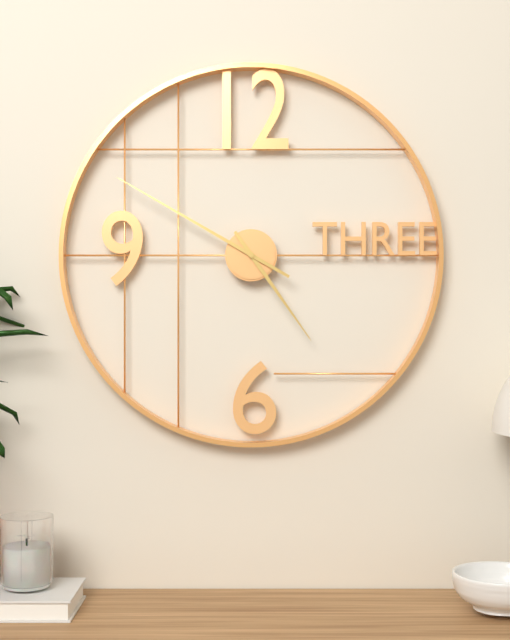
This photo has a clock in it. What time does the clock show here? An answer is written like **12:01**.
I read **4:50**
